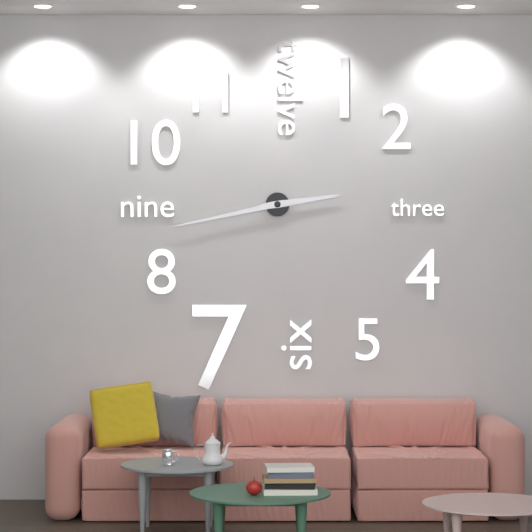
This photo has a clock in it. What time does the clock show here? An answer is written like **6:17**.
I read **2:43**
